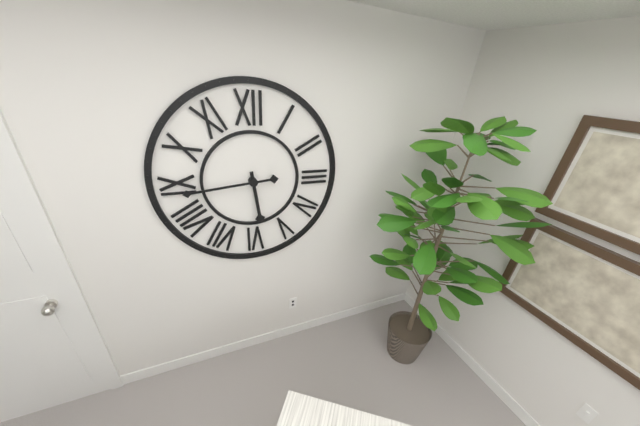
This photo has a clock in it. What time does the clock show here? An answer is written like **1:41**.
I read **5:44**
